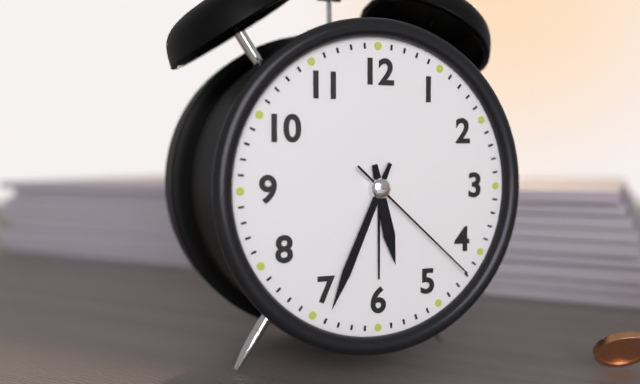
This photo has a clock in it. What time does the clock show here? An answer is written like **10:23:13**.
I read **5:34:22**
